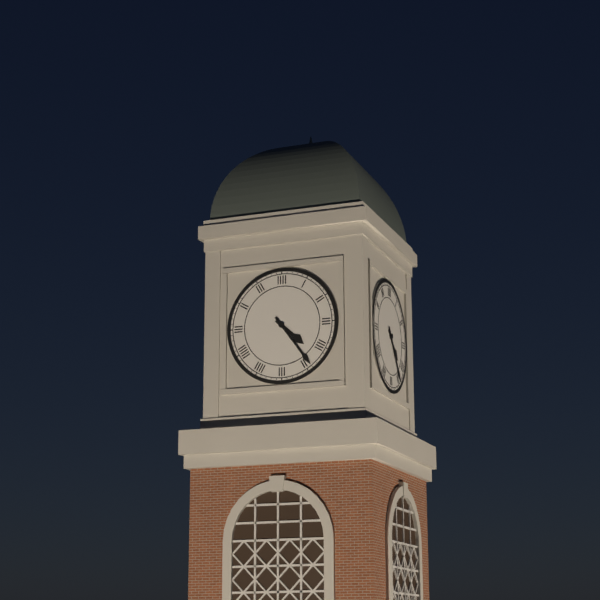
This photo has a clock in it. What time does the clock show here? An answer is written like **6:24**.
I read **4:24**
